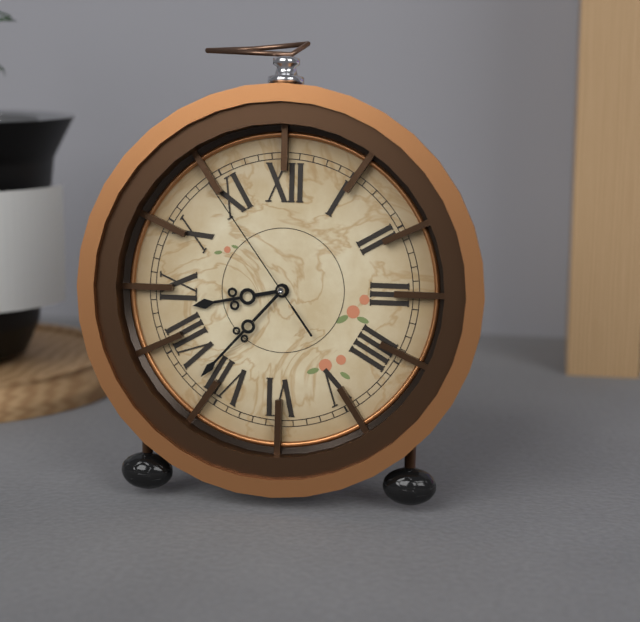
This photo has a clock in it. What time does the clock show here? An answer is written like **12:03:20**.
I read **8:37:54**
